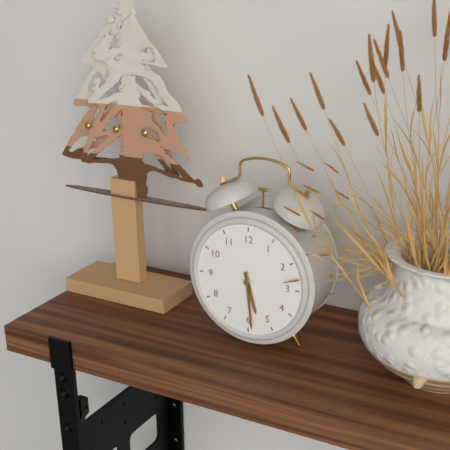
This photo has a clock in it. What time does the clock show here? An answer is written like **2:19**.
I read **5:29**
